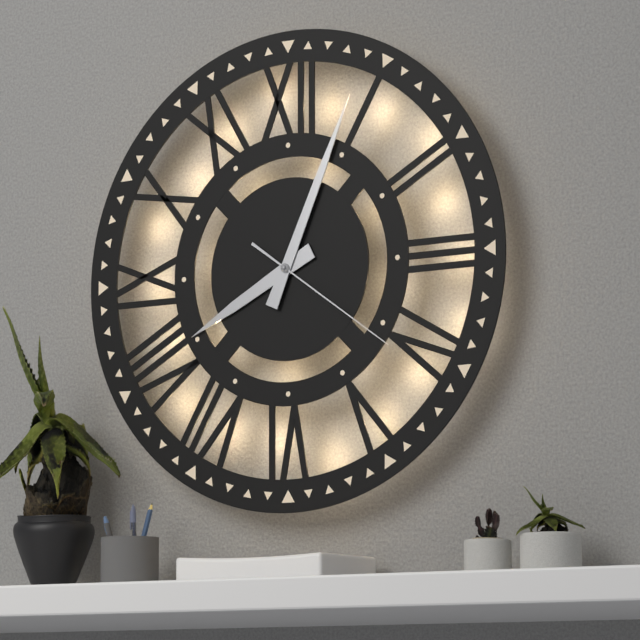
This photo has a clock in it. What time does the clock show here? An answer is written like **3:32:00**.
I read **8:04:21**
